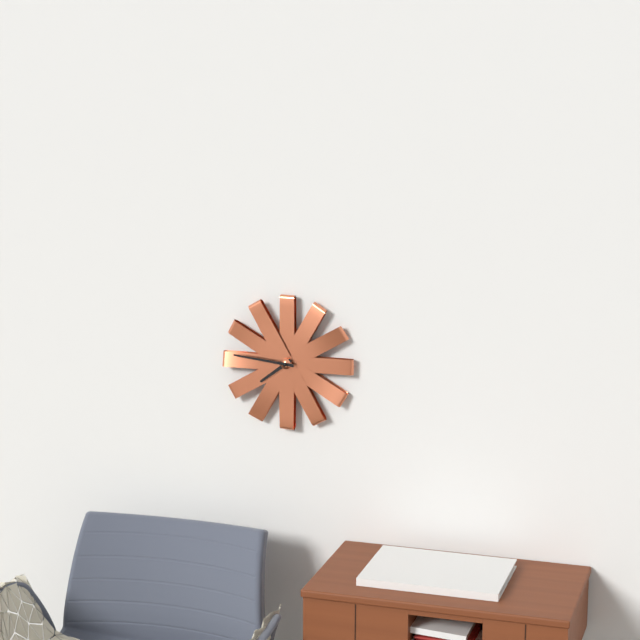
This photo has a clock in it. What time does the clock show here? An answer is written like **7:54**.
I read **7:46**
